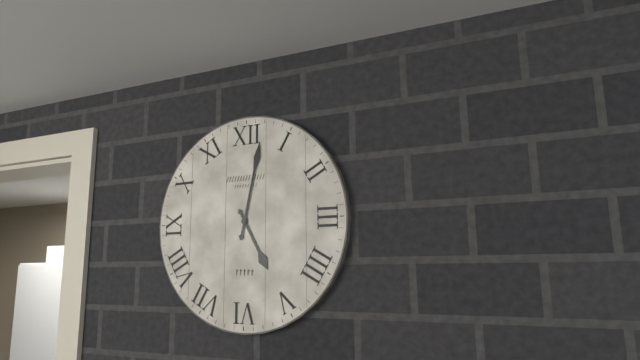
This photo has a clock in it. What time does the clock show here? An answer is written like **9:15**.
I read **5:02**
